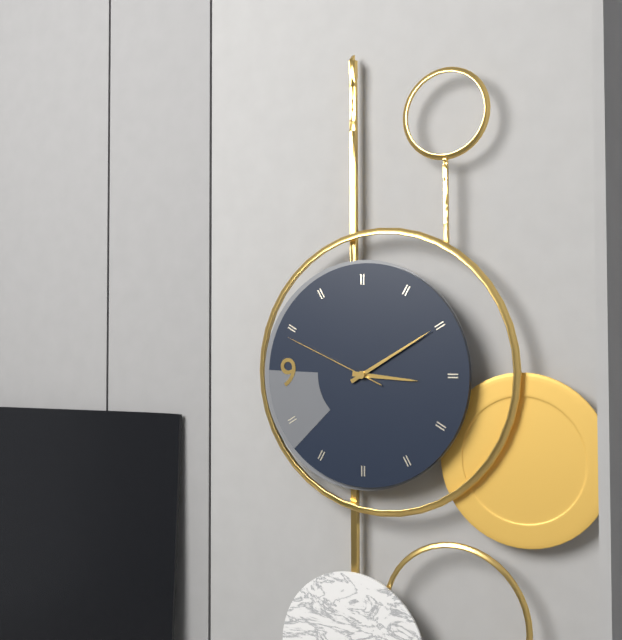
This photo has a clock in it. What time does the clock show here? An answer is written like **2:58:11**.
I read **3:10:49**
